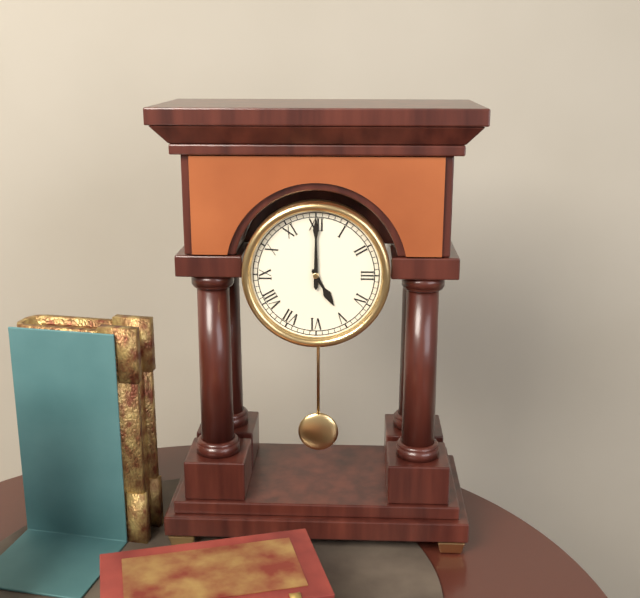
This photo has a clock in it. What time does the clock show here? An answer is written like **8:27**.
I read **5:00**
